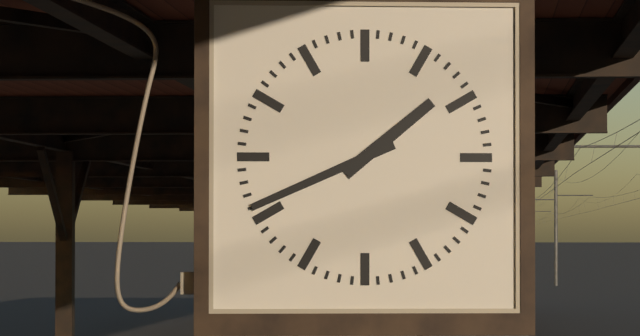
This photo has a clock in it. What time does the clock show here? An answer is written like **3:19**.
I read **1:41**
